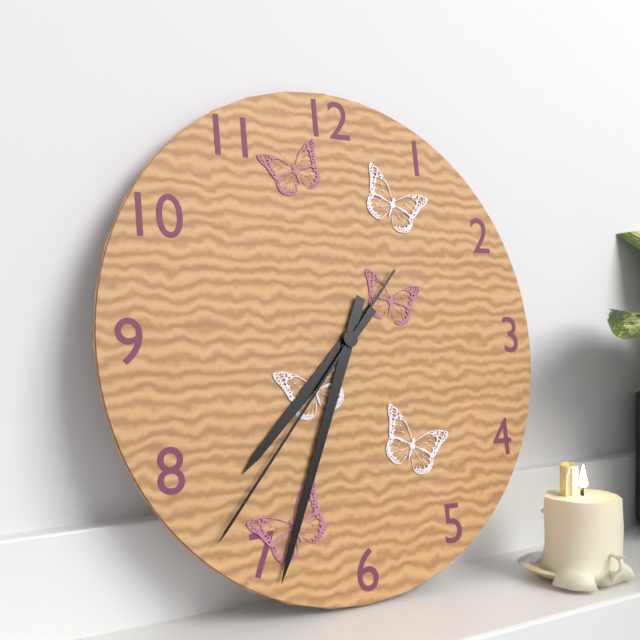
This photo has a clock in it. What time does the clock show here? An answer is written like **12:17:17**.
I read **7:34:37**
